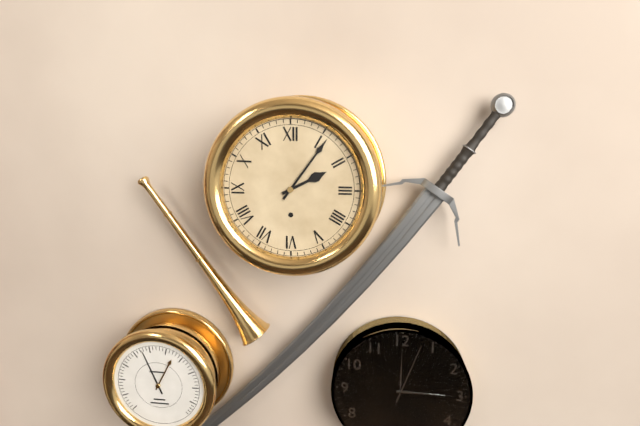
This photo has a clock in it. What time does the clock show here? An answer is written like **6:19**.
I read **2:06**
